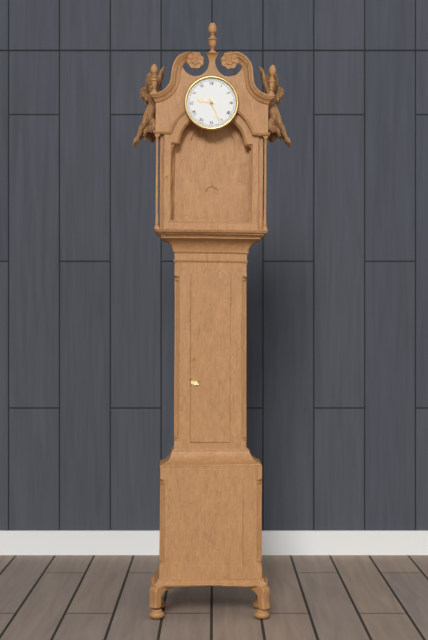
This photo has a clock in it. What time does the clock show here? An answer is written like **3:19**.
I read **9:26**
